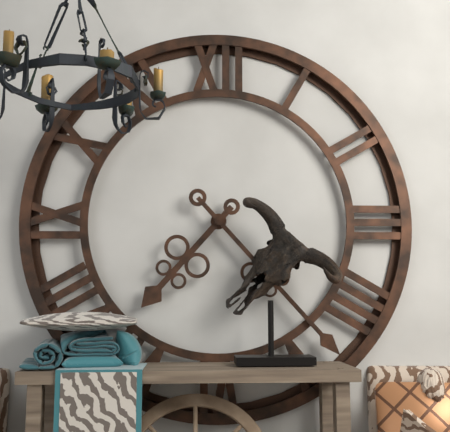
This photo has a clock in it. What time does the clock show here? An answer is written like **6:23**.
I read **7:23**
